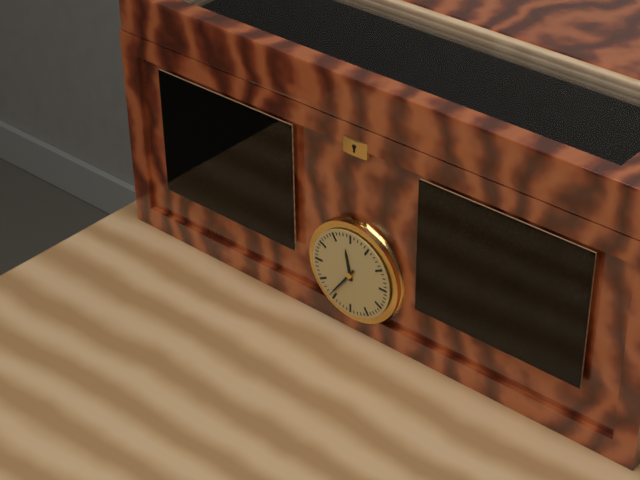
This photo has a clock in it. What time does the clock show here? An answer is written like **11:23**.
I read **11:36**
